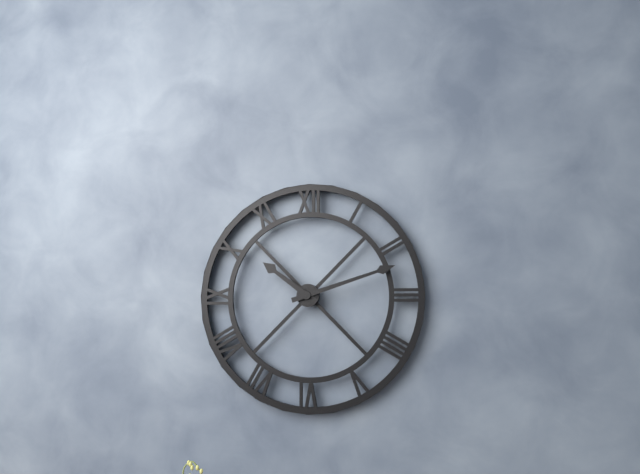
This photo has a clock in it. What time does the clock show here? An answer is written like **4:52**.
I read **10:12**
